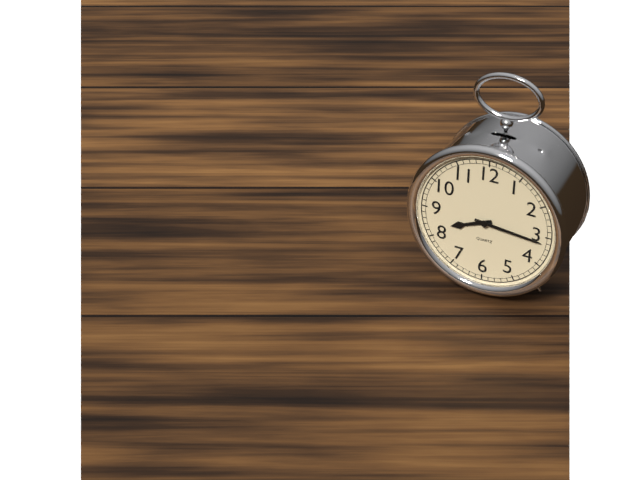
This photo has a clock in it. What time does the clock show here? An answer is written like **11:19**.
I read **8:16**
